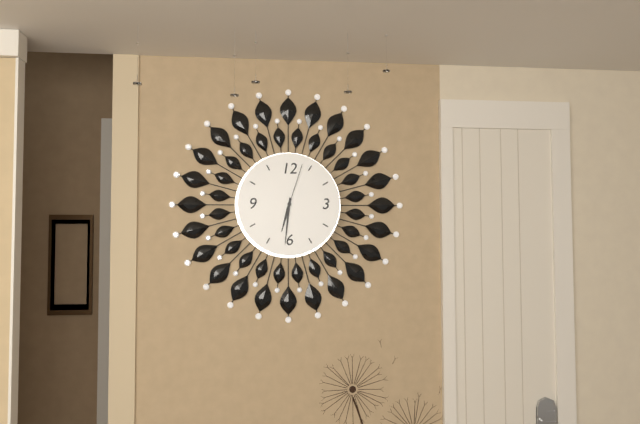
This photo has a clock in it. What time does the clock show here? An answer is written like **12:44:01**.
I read **6:31:03**
